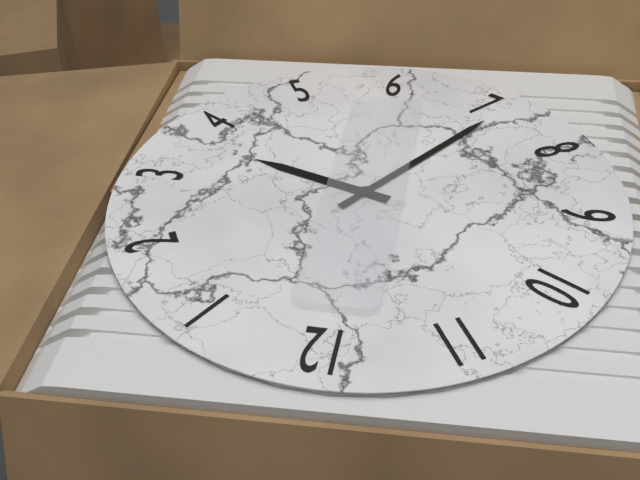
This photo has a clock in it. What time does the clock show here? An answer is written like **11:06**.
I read **3:36**
